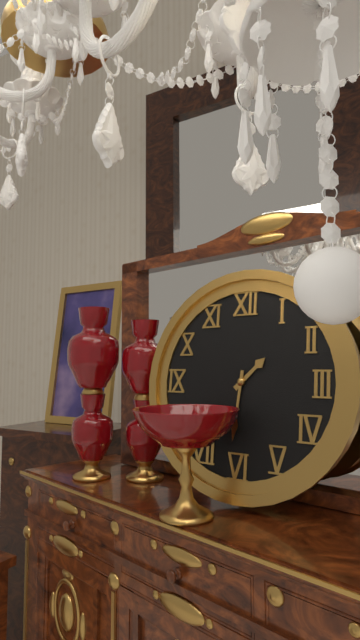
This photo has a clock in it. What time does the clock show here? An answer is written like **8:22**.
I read **1:31**
